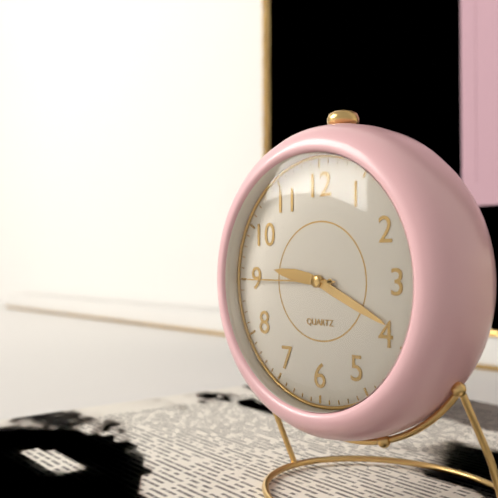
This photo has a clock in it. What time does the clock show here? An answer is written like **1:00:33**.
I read **9:19:45**
